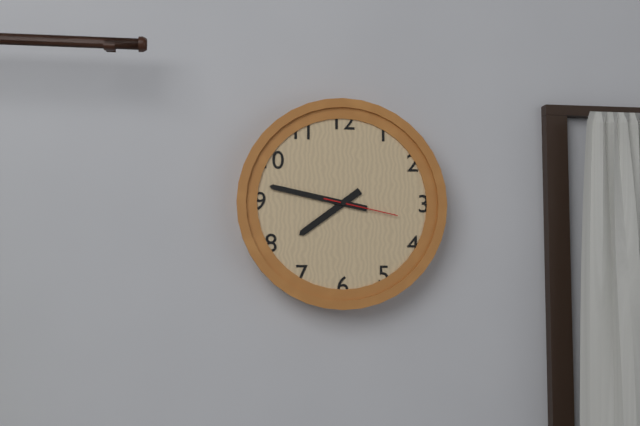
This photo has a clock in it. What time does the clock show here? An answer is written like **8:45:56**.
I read **7:47:17**
